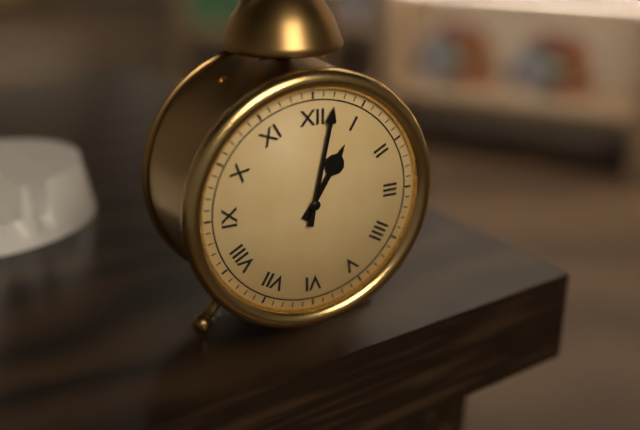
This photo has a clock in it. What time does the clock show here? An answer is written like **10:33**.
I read **1:02**
